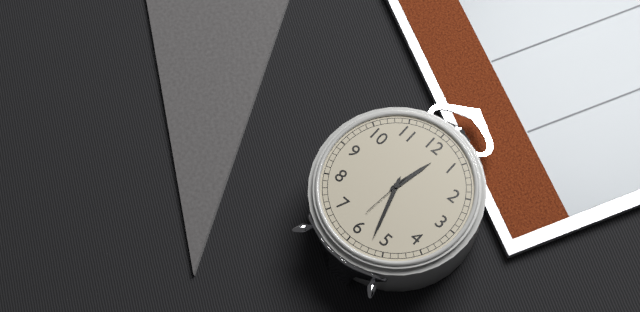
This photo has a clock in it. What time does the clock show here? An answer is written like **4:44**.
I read **12:27**
